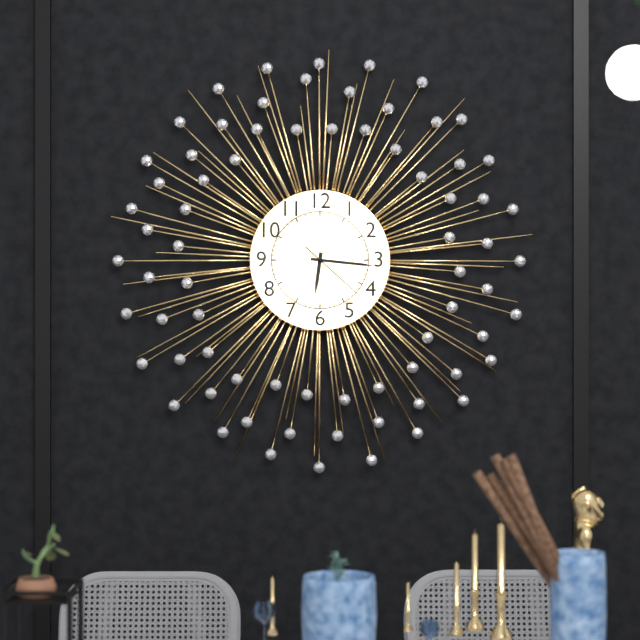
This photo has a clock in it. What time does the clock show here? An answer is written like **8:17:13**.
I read **6:16:22**
